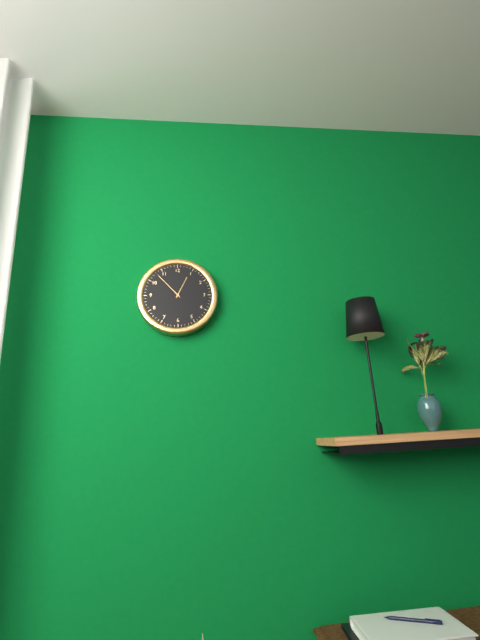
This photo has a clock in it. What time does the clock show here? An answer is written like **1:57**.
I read **12:53**
